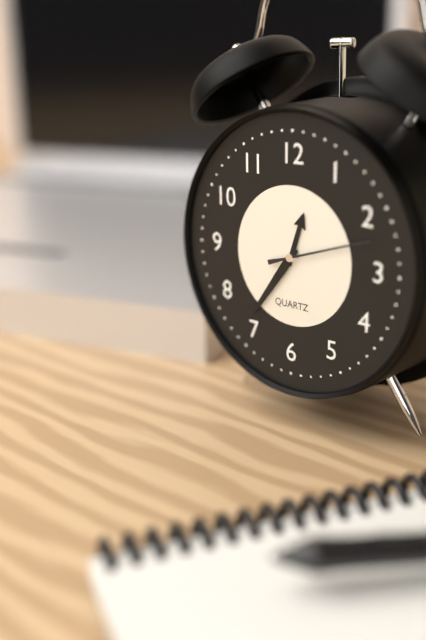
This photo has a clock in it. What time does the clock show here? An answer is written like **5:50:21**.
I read **12:36:12**
